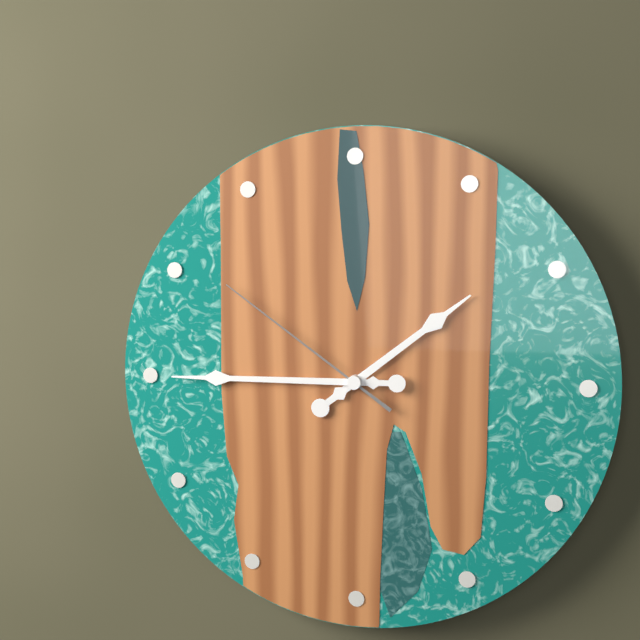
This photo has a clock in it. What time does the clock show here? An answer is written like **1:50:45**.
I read **1:45:51**
